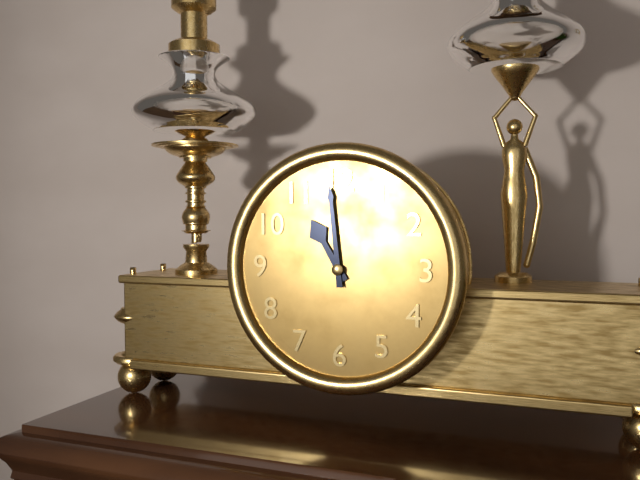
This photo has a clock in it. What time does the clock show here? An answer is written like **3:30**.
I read **10:59**
